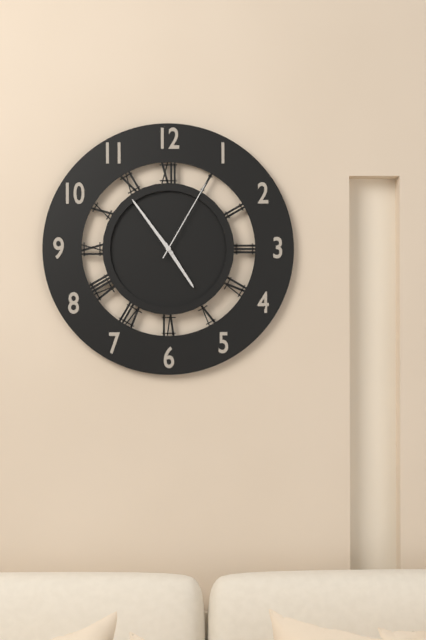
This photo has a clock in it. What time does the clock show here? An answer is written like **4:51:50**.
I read **4:54:05**
